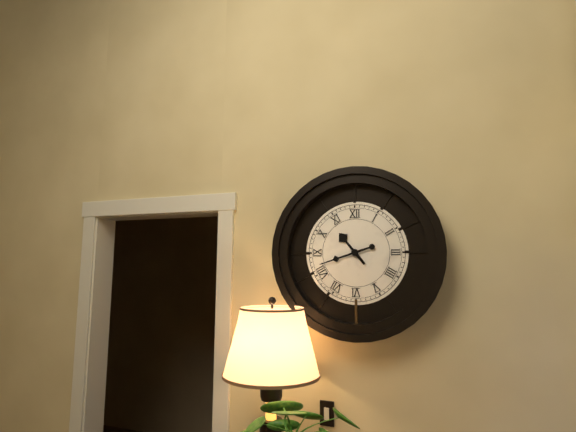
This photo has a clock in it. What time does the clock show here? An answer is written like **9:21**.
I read **10:42**
